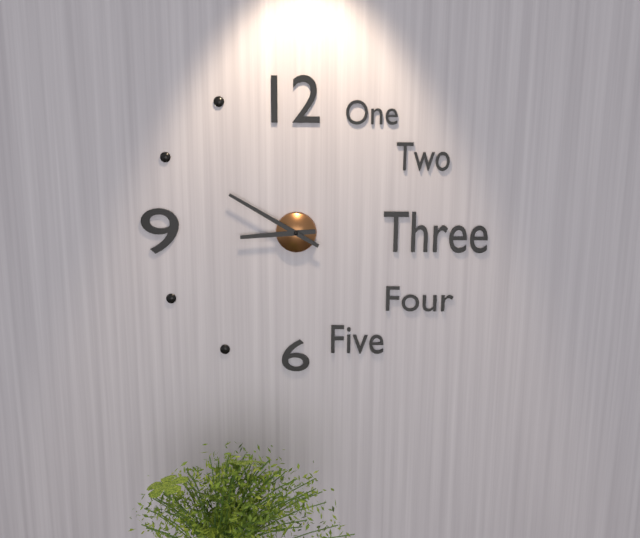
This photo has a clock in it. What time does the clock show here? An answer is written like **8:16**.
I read **8:50**
